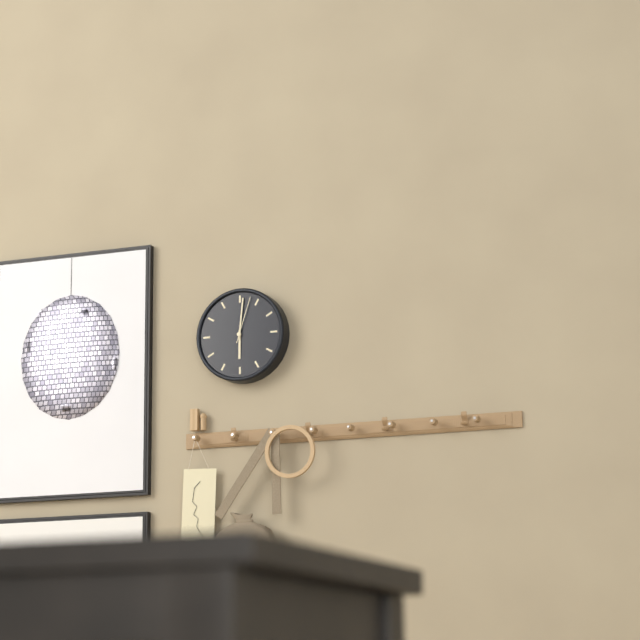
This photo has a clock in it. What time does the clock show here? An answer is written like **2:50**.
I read **6:01**
